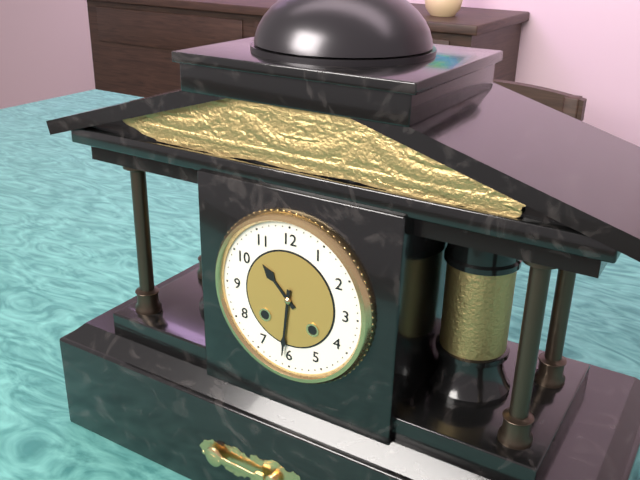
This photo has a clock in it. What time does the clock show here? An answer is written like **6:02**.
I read **10:31**
